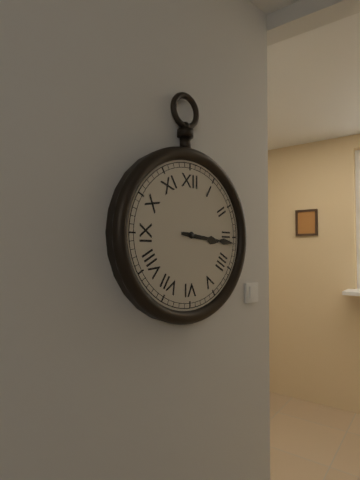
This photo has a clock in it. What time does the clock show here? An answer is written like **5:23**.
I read **3:16**
